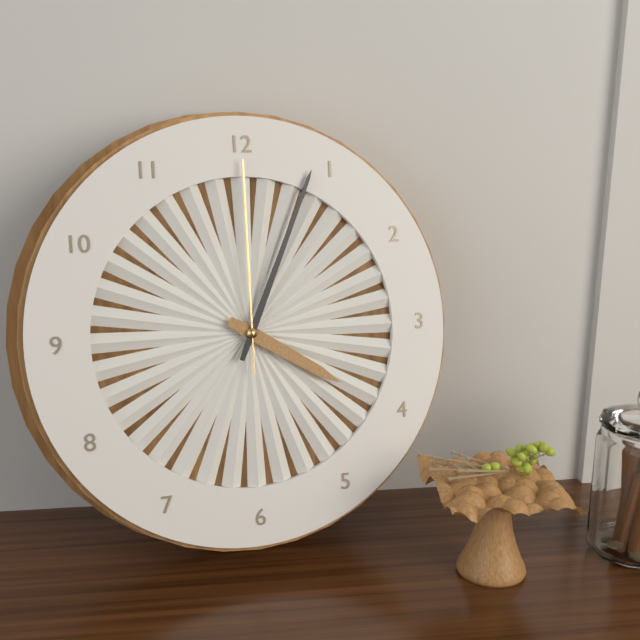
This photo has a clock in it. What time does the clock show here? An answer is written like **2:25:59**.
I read **4:04:00**
